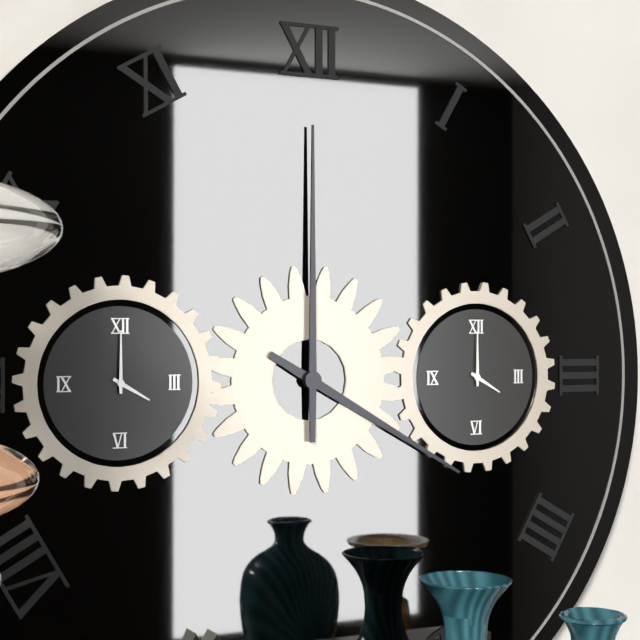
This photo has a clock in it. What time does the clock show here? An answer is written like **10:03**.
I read **4:00**
